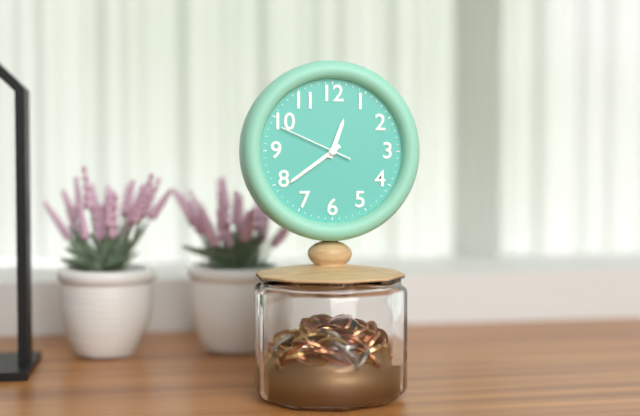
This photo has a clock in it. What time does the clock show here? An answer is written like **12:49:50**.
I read **12:39:49**
